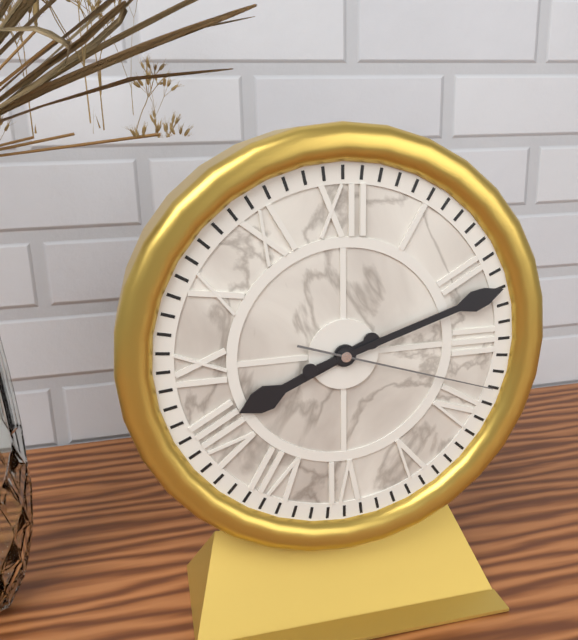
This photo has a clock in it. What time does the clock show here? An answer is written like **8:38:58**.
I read **8:12:18**
